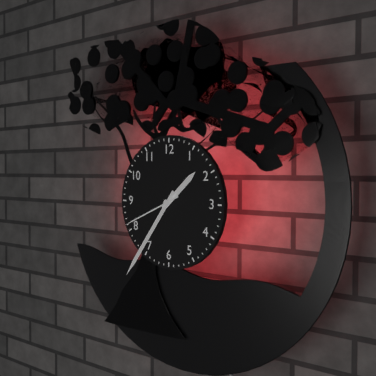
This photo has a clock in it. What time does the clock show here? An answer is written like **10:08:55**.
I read **1:36:41**
